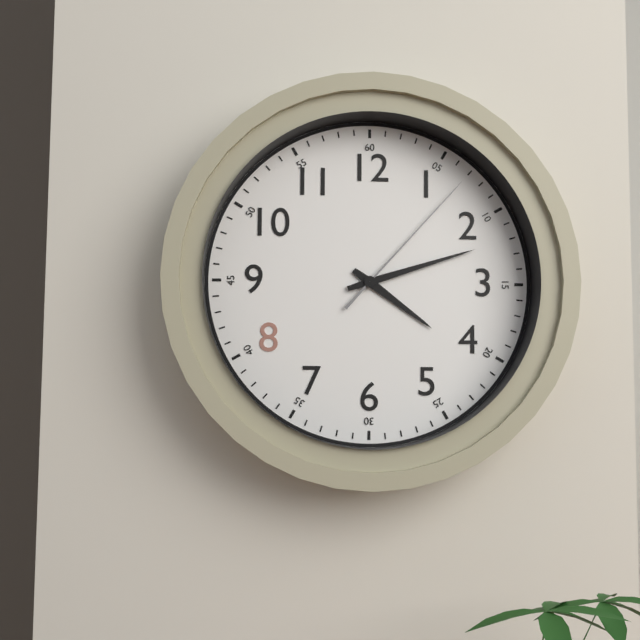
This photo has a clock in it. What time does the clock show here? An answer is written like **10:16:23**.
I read **4:12:07**
